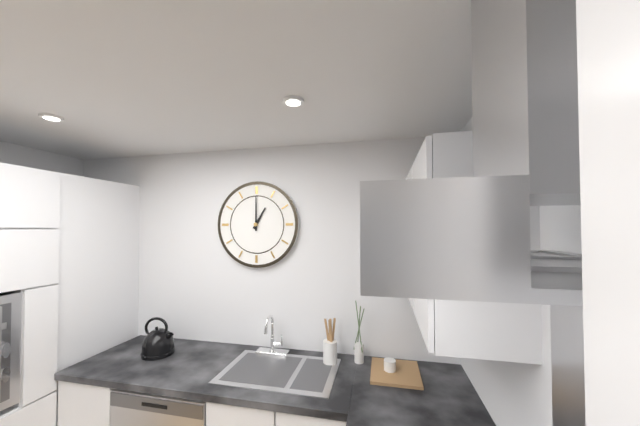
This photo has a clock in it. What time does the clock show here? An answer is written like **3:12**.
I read **1:00**
